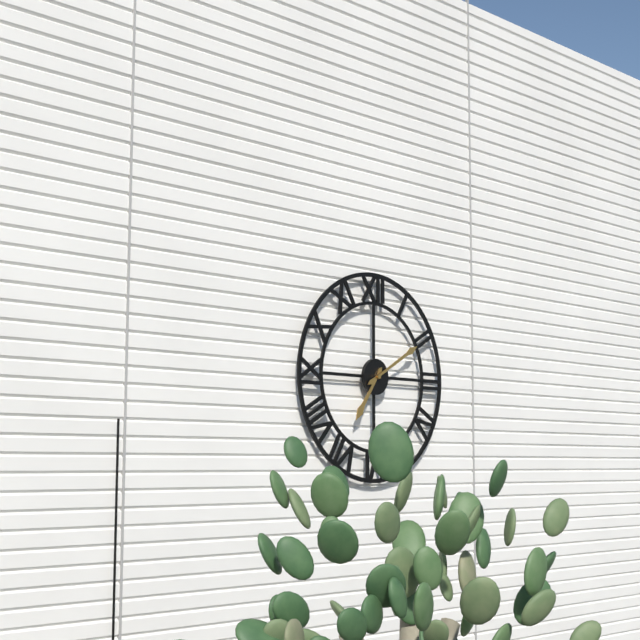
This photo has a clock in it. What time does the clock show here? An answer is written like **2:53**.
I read **7:10**
